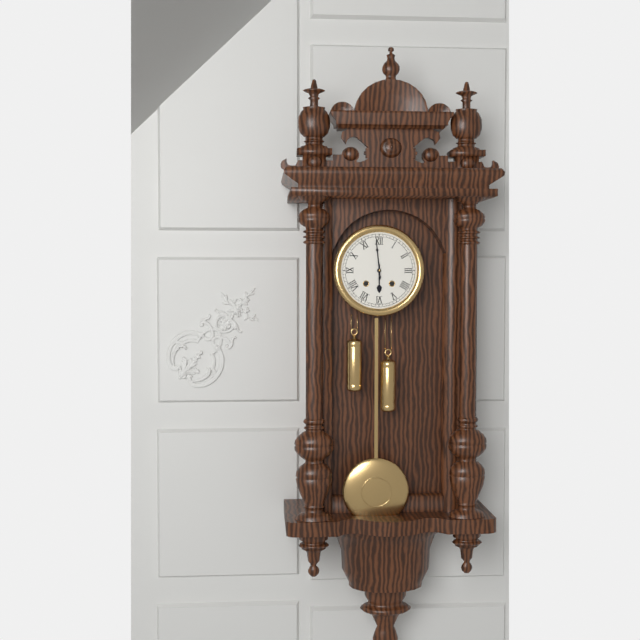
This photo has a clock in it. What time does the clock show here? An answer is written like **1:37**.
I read **5:59**
